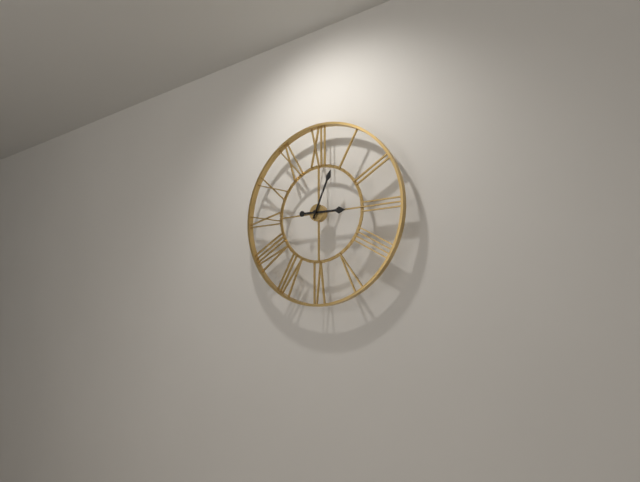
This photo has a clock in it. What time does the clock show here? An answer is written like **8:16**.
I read **3:04**
